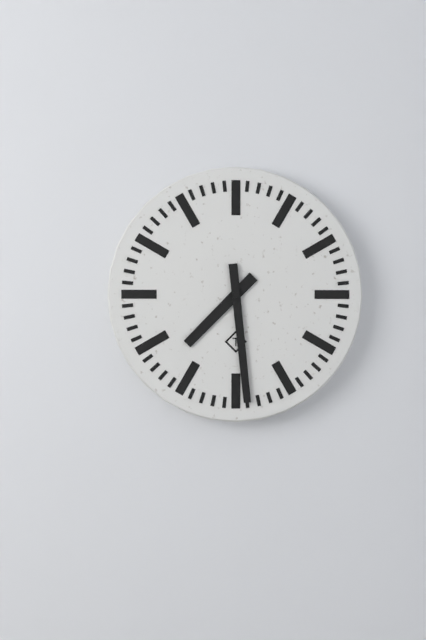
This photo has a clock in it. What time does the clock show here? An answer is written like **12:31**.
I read **7:29**
